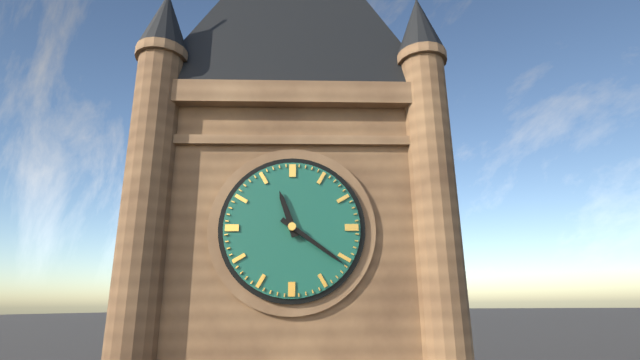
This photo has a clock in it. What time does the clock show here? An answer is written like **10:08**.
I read **11:21**
